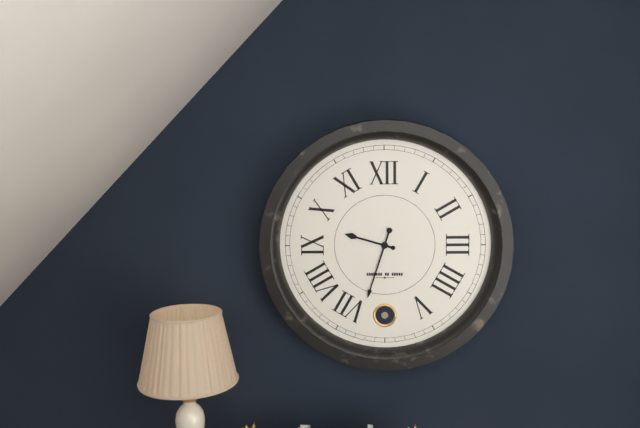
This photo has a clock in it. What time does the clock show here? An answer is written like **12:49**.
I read **9:33**
